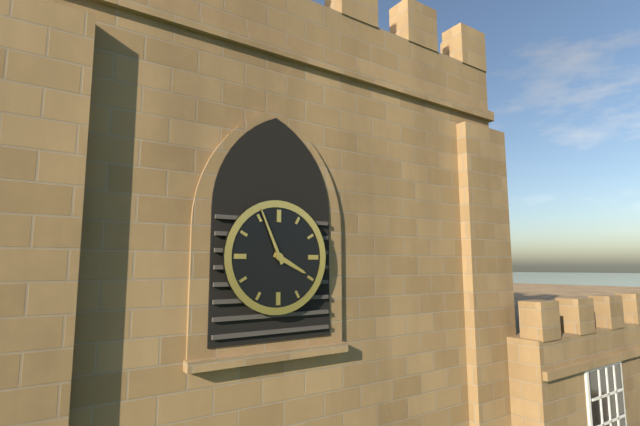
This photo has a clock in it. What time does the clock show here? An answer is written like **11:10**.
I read **3:56**
